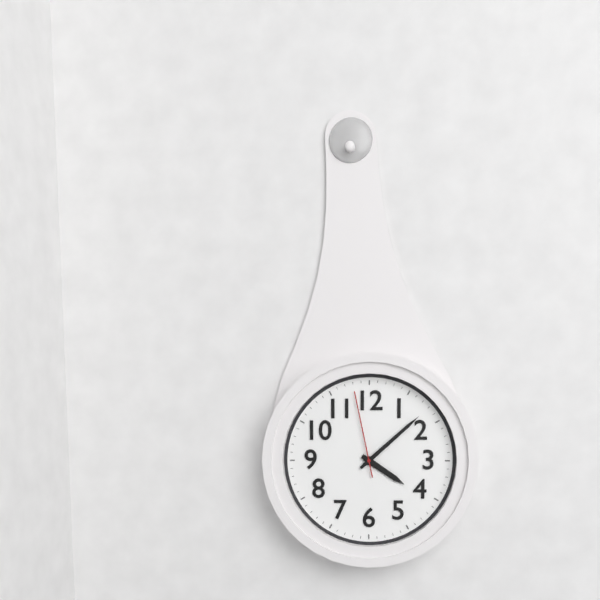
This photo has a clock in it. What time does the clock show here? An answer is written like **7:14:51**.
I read **4:08:58**
